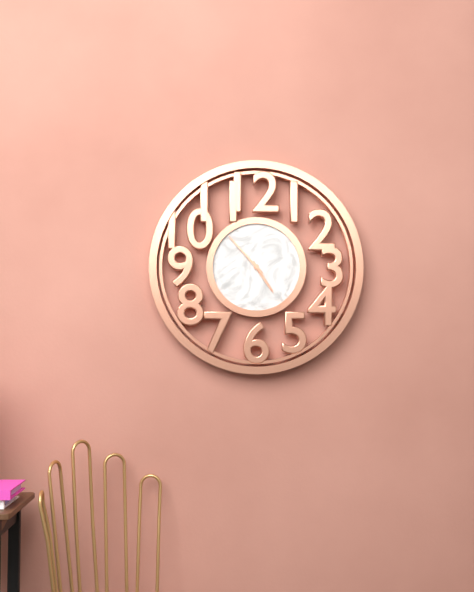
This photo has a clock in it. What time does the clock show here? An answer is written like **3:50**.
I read **4:53**
